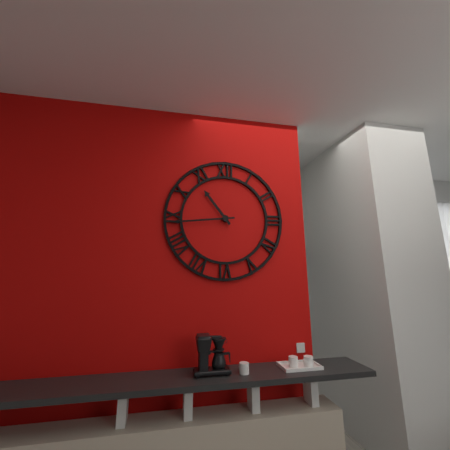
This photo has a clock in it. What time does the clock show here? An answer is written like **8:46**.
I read **10:44**
